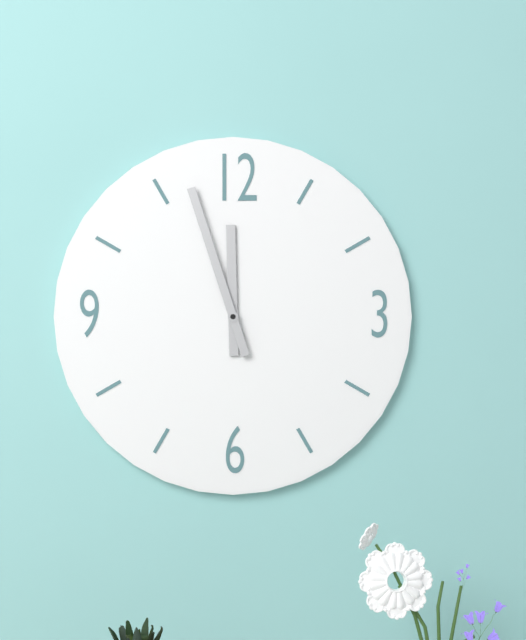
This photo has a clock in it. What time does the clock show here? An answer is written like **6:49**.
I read **11:57**
